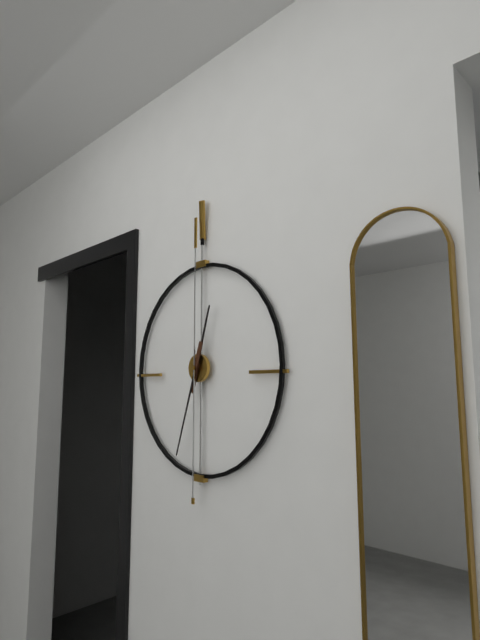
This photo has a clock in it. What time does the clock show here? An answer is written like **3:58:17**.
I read **12:33:00**
